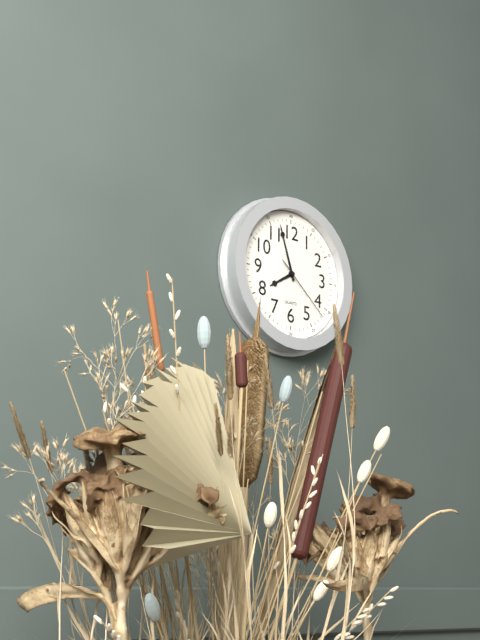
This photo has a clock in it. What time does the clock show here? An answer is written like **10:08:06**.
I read **7:57:22**
